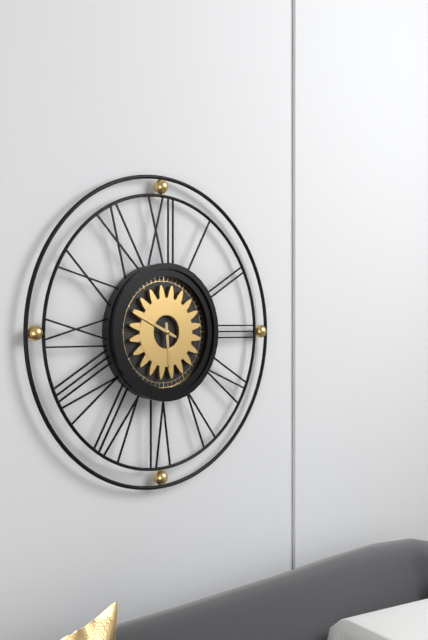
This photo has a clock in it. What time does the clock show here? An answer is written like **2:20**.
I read **5:49**
